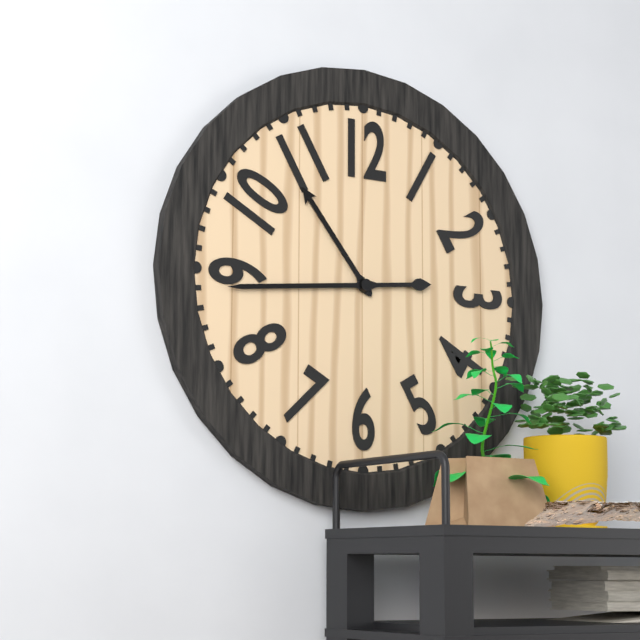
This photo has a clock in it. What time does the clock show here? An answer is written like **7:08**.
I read **10:44**
